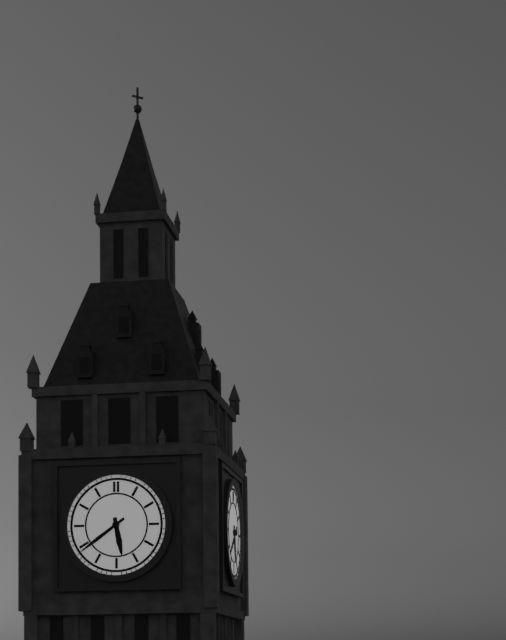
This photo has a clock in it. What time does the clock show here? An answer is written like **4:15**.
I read **5:39**
